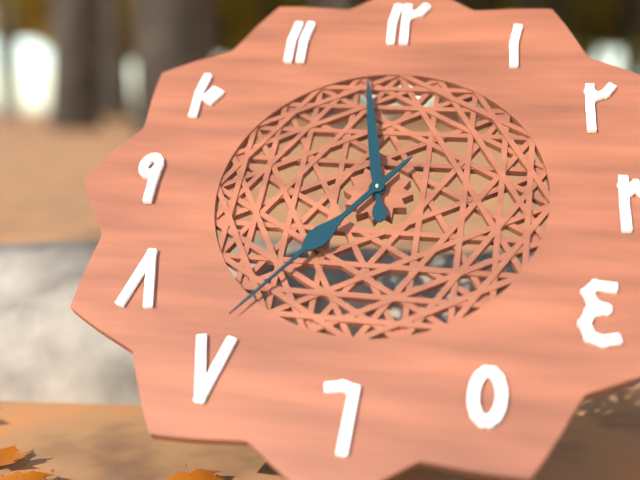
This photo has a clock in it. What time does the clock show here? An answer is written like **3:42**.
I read **11:36**
